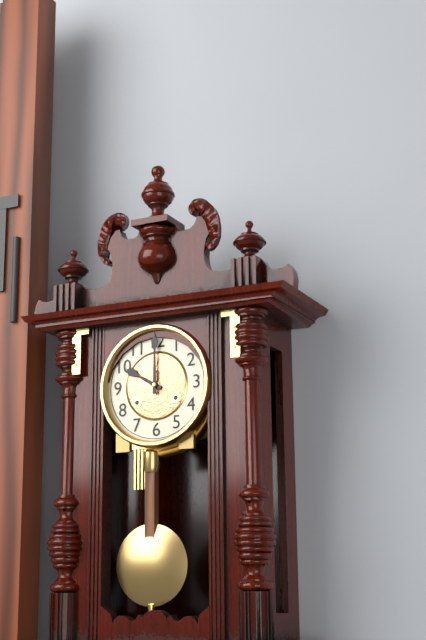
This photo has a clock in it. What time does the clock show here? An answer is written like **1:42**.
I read **10:00**
